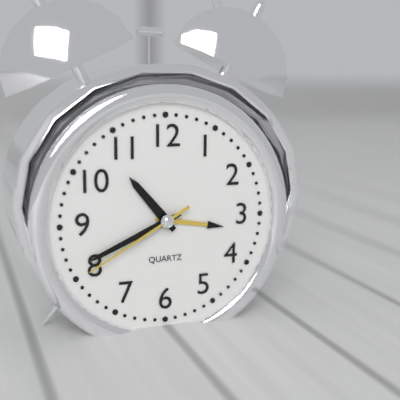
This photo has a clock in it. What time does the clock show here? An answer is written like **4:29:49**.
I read **10:41:40**
